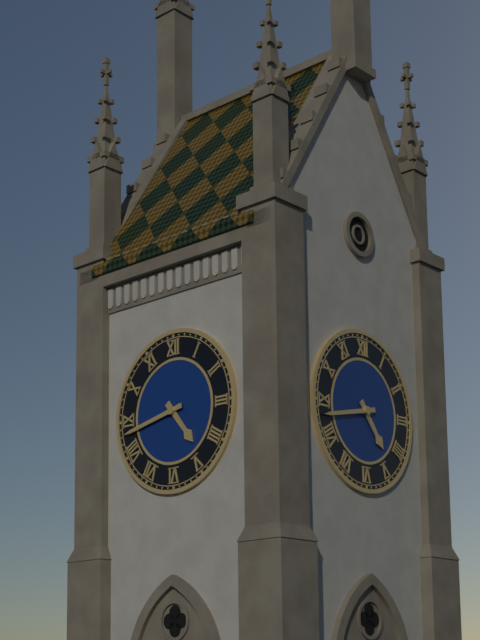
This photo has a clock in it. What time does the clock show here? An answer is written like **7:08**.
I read **4:43**
